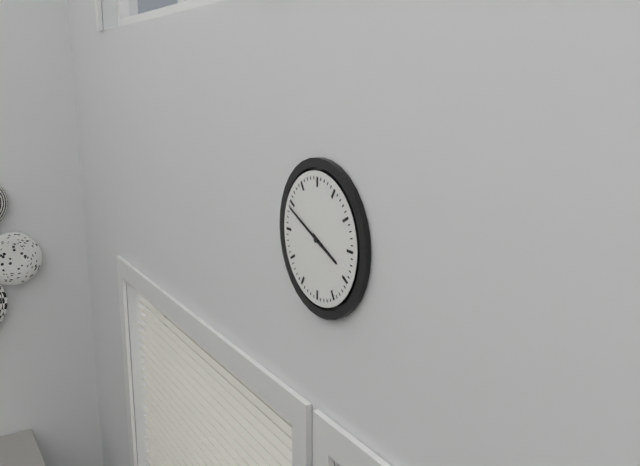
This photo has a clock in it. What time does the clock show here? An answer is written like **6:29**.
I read **3:49**
